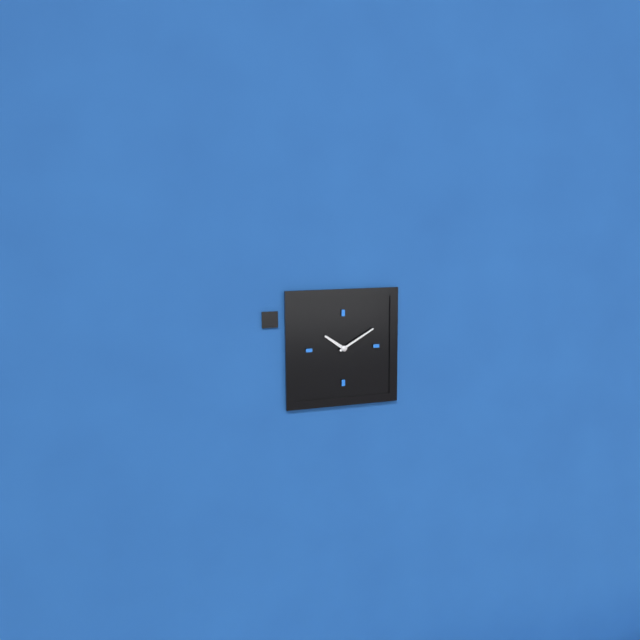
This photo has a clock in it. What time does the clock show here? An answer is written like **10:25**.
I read **10:10**
